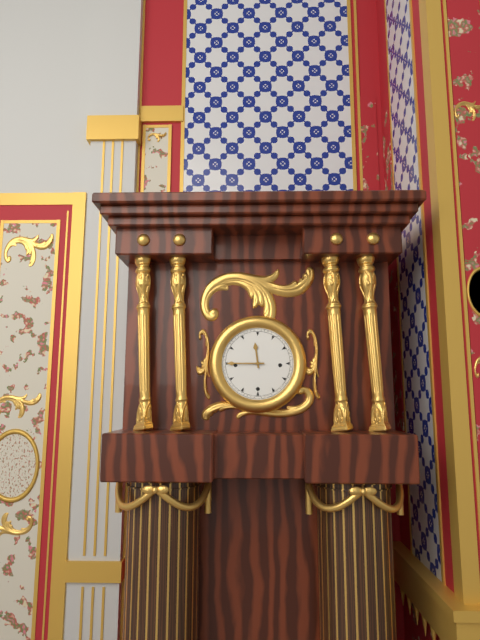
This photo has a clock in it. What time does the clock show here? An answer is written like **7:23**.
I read **11:45**
